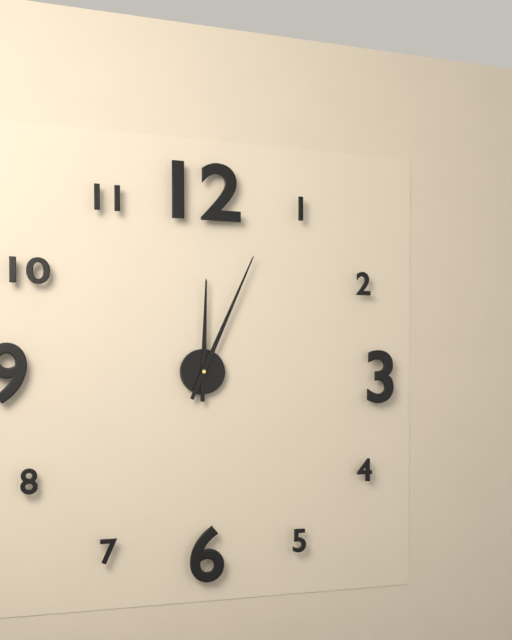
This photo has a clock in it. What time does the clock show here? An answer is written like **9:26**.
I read **12:04**
